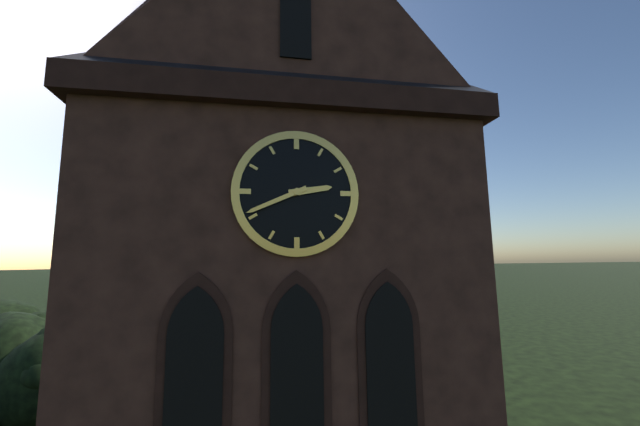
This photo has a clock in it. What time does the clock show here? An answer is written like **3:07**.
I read **2:41**
